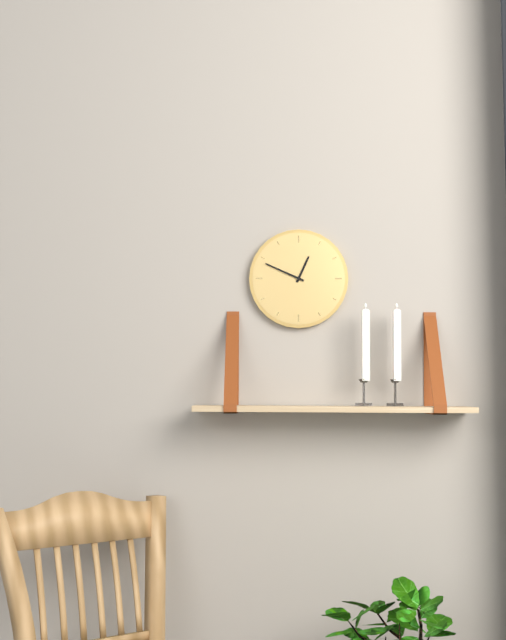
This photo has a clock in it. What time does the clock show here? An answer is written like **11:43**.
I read **12:49**
